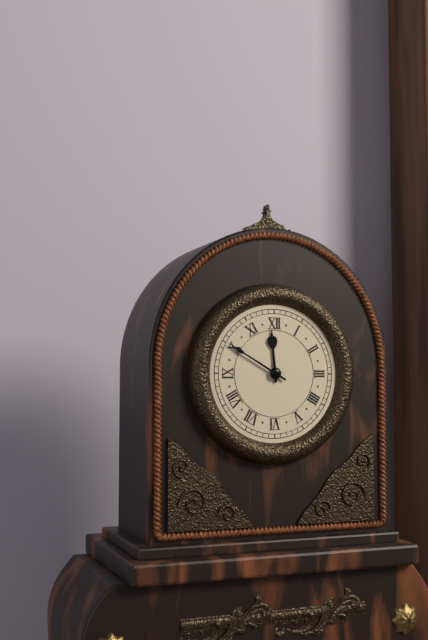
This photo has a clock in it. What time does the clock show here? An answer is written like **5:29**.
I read **11:50**
